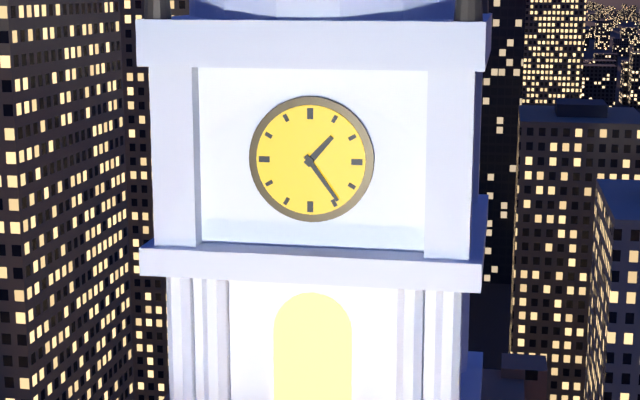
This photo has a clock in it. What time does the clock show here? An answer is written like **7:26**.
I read **1:24**
